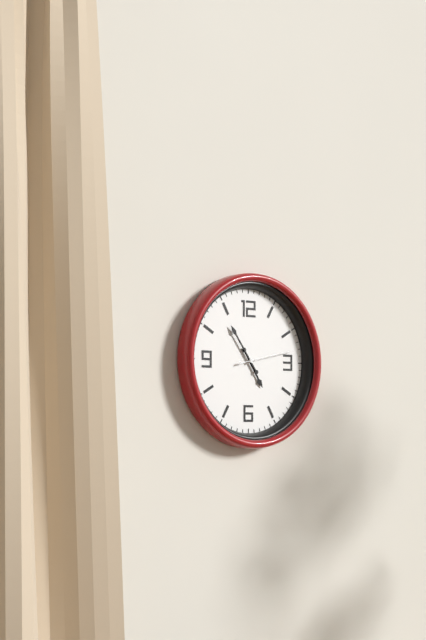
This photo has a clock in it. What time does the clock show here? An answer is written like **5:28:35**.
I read **4:54:13**
